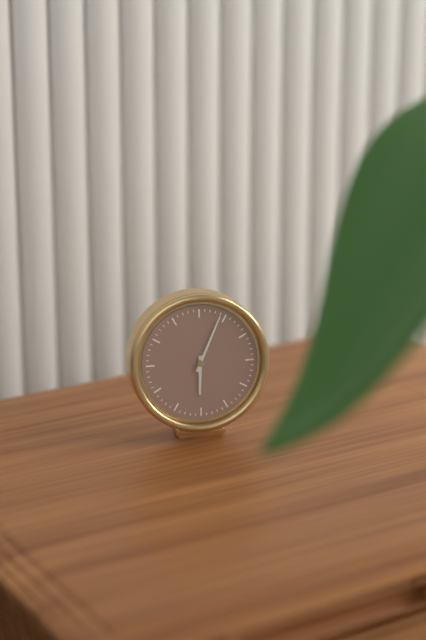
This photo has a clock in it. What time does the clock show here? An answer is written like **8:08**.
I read **6:04**
